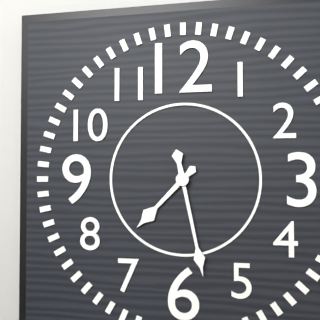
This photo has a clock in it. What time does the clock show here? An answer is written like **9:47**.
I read **7:28**
